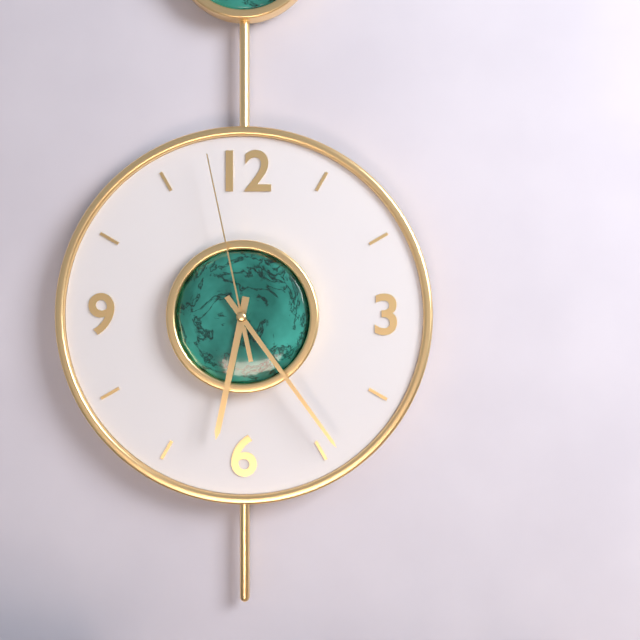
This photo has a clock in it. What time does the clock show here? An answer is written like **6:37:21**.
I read **6:24:58**
